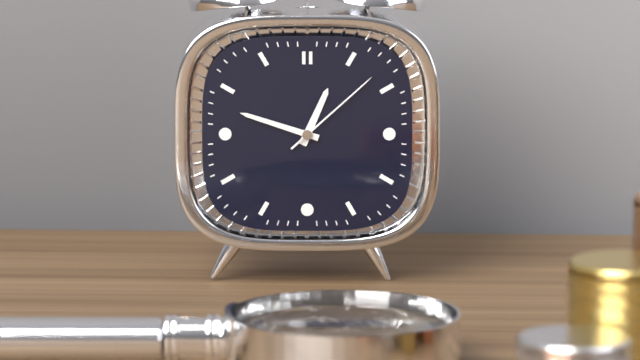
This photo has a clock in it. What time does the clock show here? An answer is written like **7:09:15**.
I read **12:48:08**
